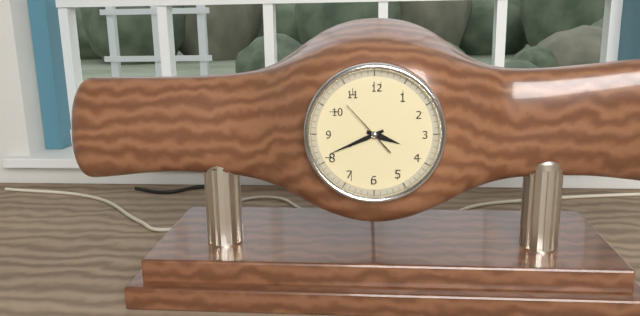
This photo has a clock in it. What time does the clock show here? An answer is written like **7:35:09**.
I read **3:41:53**
